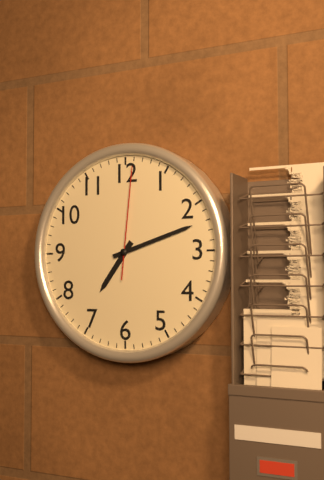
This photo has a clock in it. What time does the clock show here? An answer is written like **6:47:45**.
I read **7:12:01**
